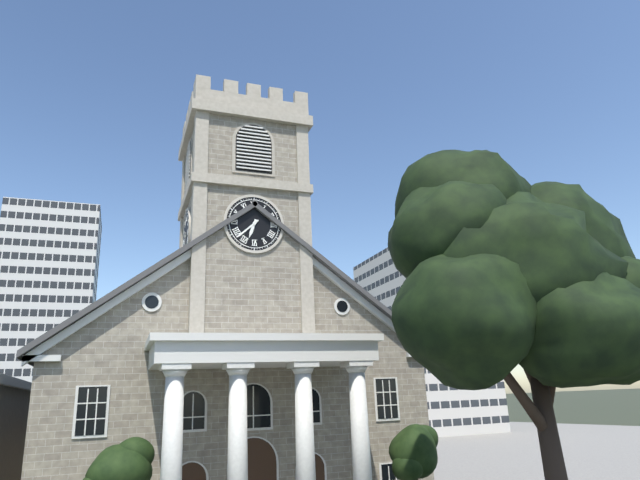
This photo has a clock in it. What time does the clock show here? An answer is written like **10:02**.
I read **6:38**
